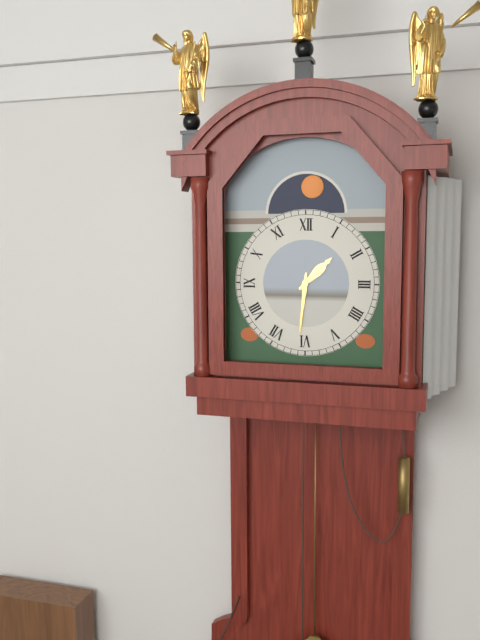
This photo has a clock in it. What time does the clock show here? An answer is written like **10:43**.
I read **1:31**
